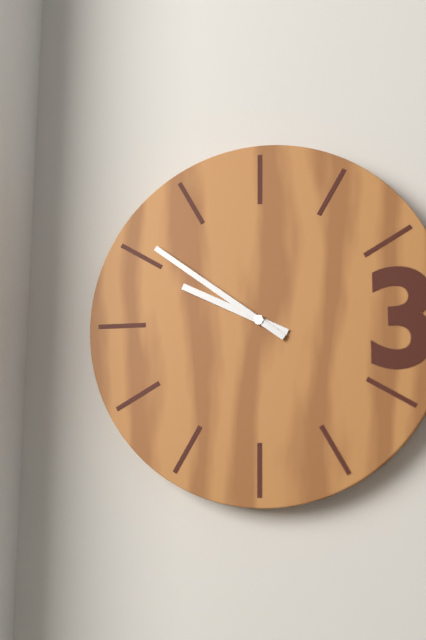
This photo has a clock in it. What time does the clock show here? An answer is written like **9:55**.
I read **9:51**
